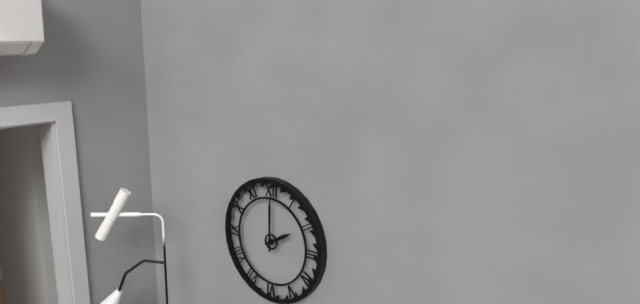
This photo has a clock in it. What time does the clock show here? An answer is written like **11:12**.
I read **2:00**
